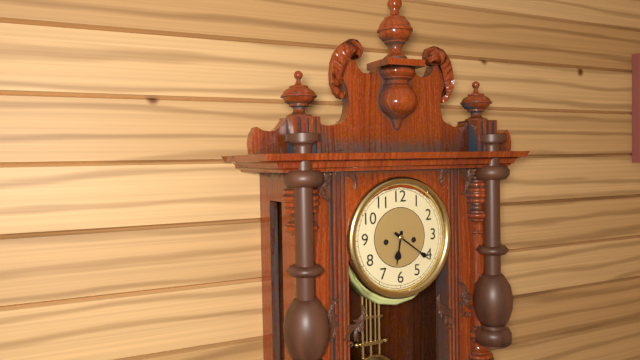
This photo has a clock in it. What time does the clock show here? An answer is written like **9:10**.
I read **6:21**
